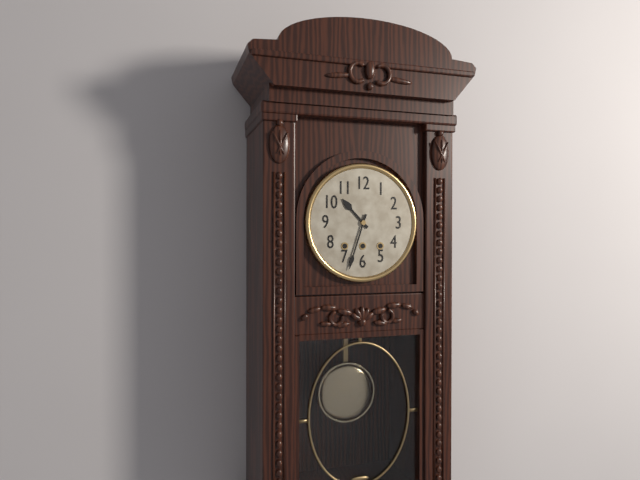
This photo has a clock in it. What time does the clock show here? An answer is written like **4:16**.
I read **10:33**
